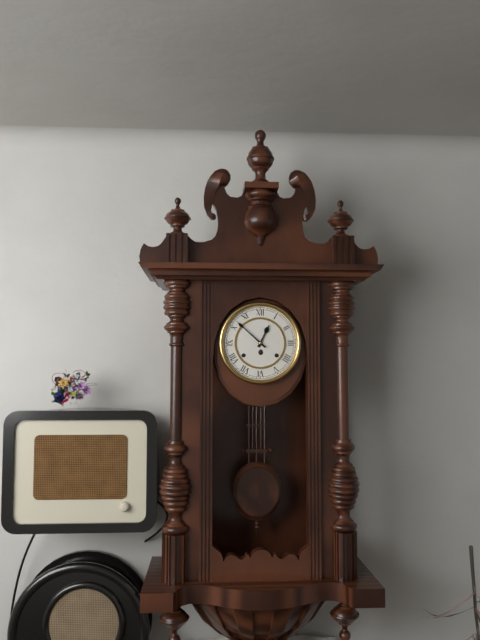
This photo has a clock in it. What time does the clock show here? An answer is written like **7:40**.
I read **12:52**
